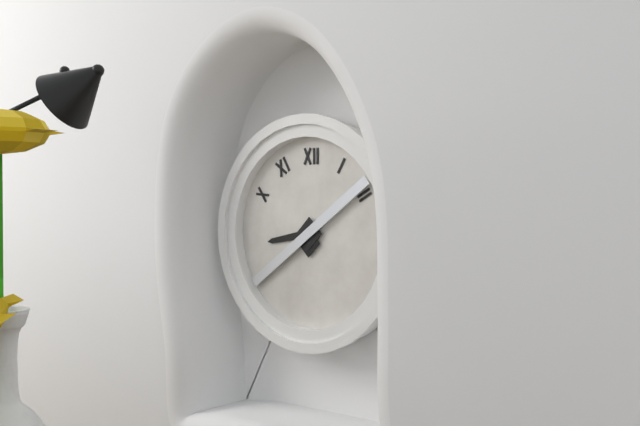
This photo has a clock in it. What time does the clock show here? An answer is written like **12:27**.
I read **8:39**
